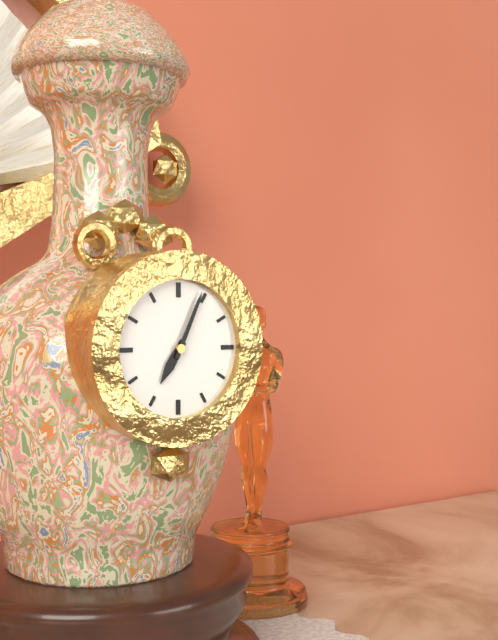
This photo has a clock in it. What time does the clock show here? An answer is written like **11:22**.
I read **7:04**
